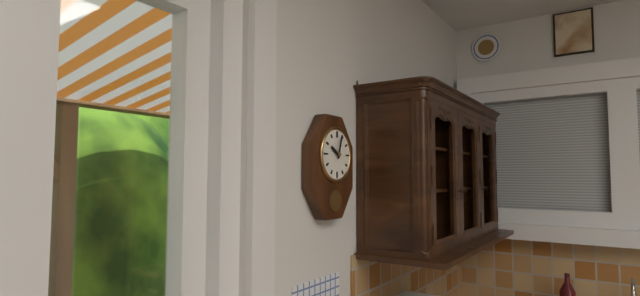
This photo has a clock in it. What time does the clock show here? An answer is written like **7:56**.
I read **10:03**
